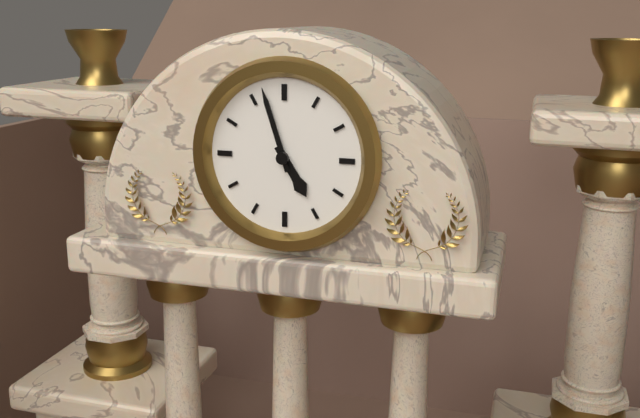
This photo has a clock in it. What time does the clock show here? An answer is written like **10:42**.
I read **4:57**
